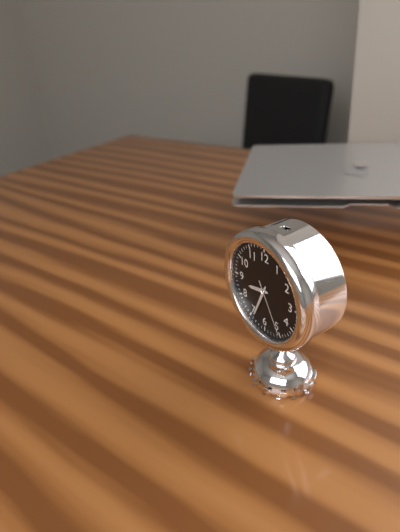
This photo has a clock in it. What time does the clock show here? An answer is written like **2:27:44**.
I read **8:34:25**
